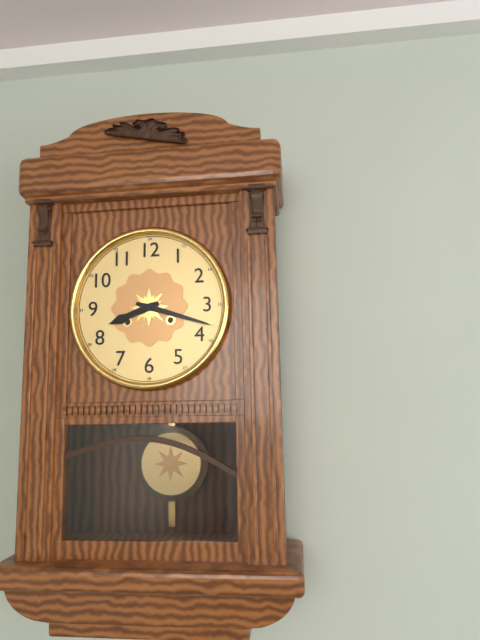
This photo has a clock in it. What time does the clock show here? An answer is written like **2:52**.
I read **8:18**
